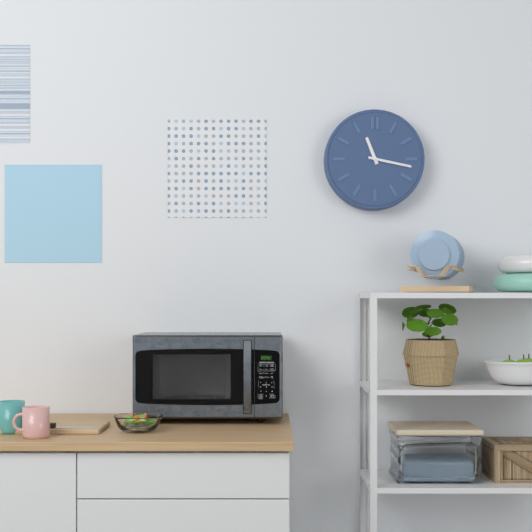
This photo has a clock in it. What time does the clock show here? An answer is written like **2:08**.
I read **11:17**
